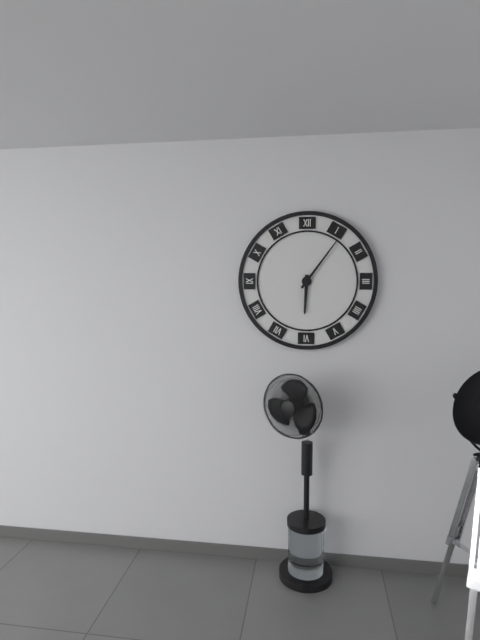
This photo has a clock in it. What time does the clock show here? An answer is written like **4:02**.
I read **6:06**
